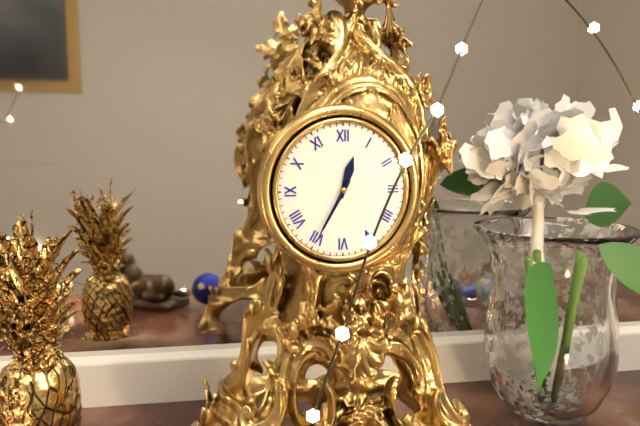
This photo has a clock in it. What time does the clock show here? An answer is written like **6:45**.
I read **12:35**
